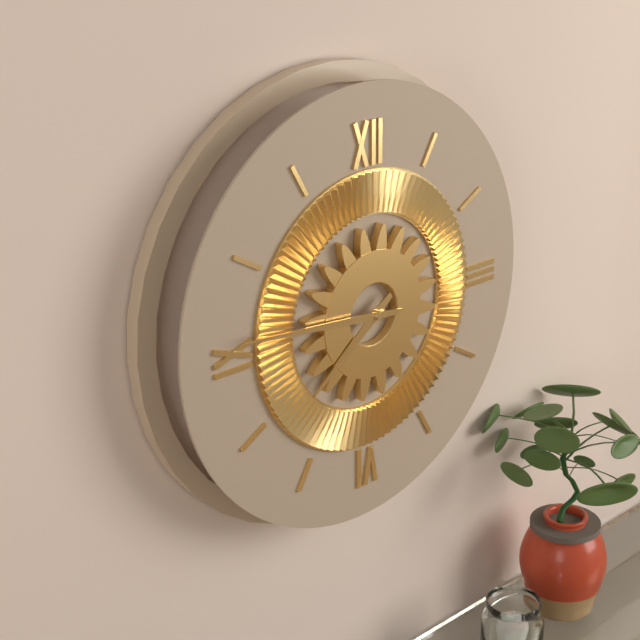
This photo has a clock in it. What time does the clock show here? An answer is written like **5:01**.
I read **7:46**
